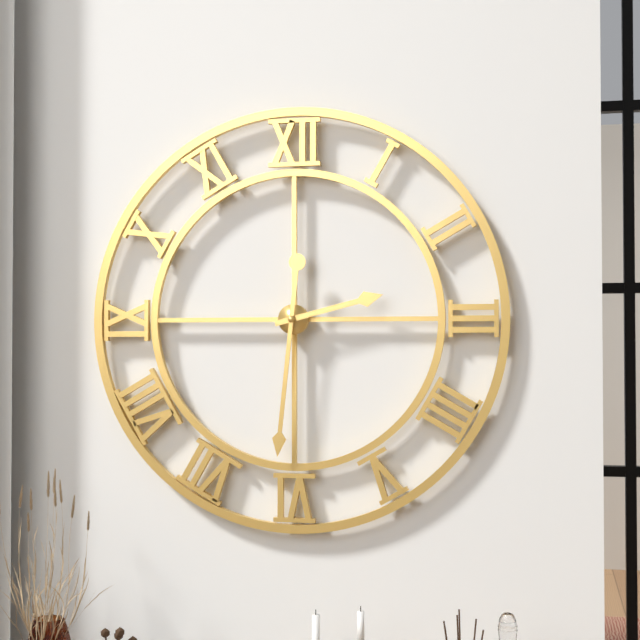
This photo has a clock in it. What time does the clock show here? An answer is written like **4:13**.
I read **2:31**
